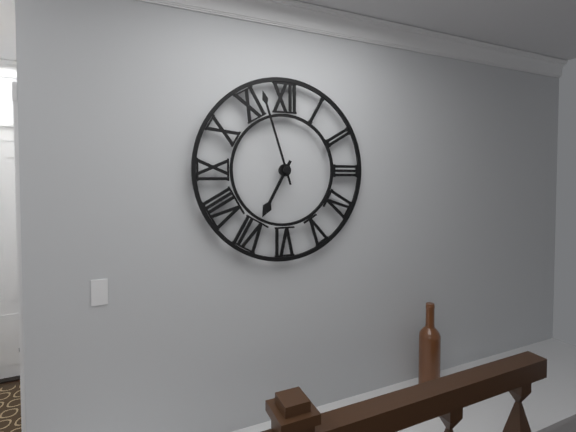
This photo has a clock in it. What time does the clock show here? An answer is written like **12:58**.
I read **6:57**
